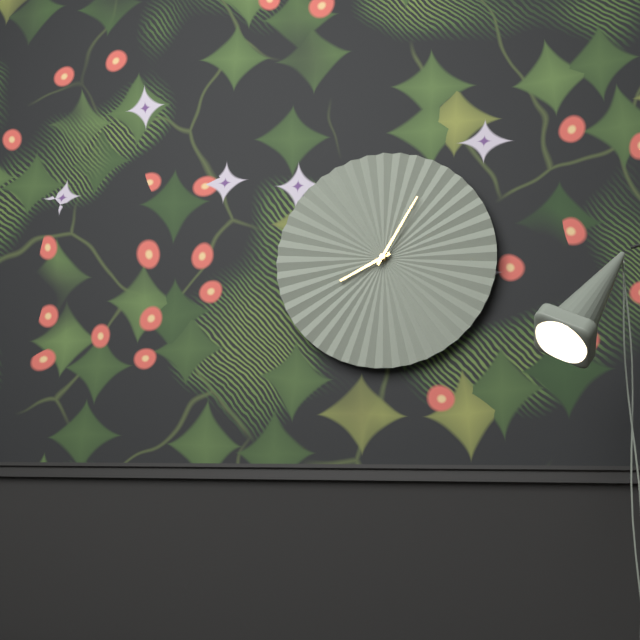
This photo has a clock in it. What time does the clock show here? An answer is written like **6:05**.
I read **8:05**
